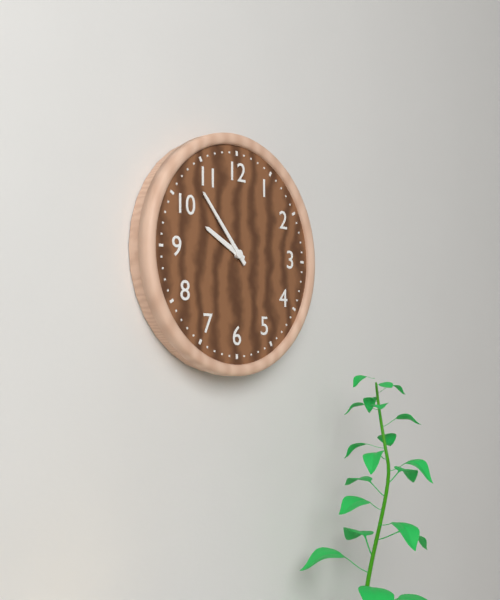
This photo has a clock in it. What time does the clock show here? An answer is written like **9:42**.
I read **9:53**
